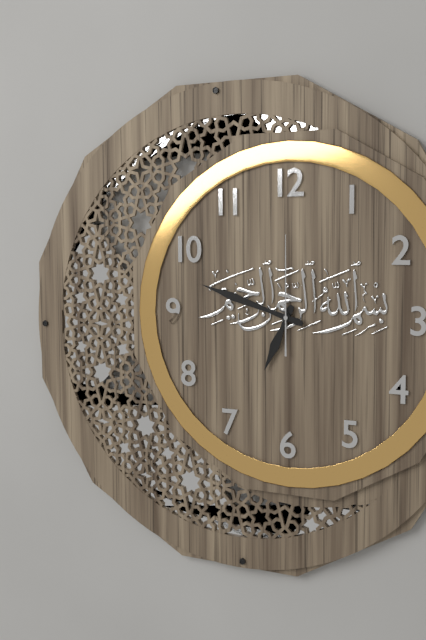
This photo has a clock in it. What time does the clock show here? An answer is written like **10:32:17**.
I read **6:48:00**
